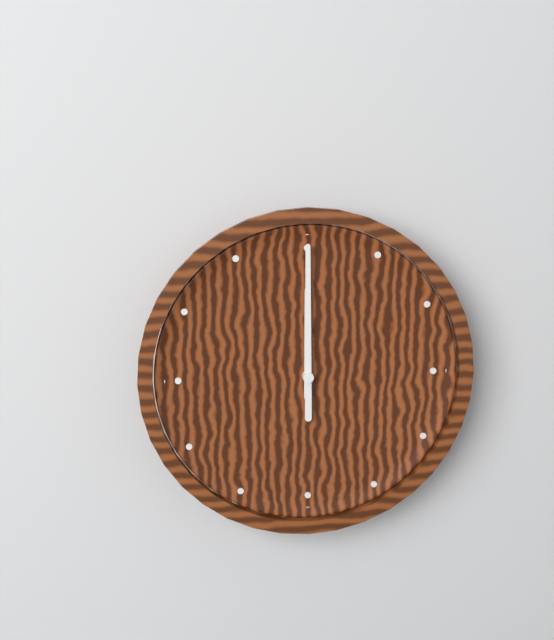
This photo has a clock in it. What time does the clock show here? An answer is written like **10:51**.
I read **12:00**
